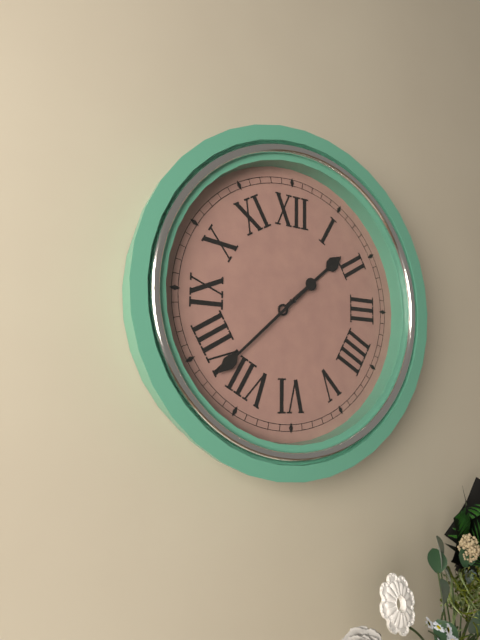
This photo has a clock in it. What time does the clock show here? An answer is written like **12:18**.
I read **1:38**
